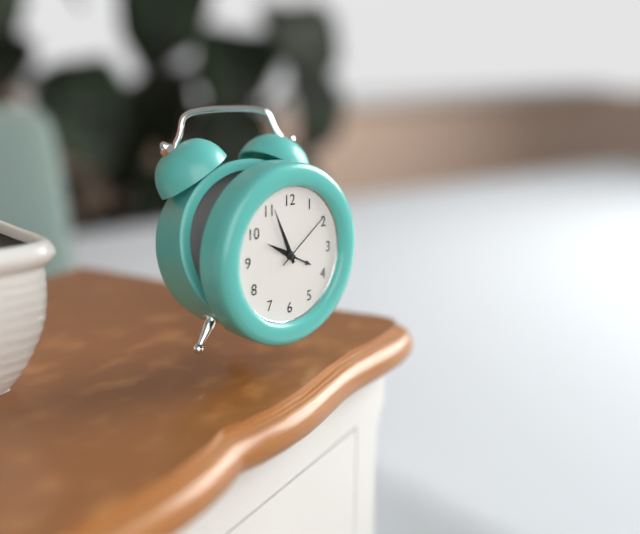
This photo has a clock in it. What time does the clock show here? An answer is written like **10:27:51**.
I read **9:56:09**
